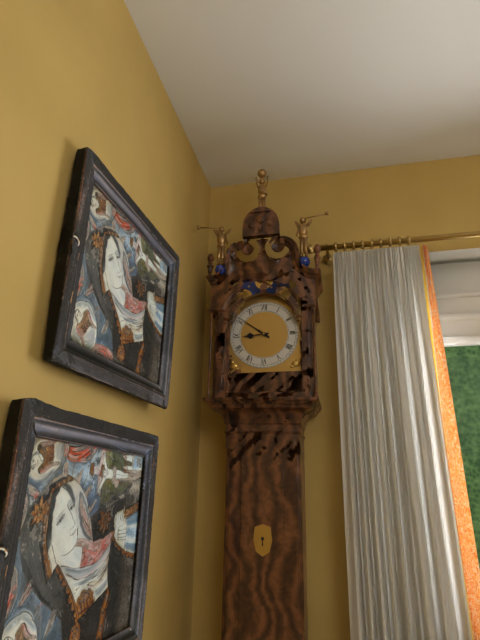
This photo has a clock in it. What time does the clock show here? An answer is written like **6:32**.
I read **8:51**
